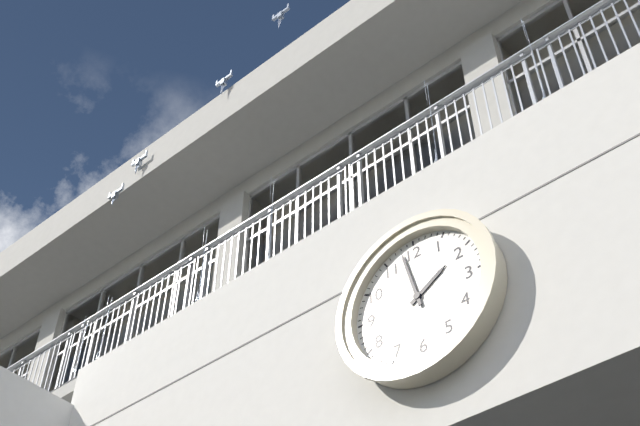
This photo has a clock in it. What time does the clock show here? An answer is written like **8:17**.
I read **1:58**
